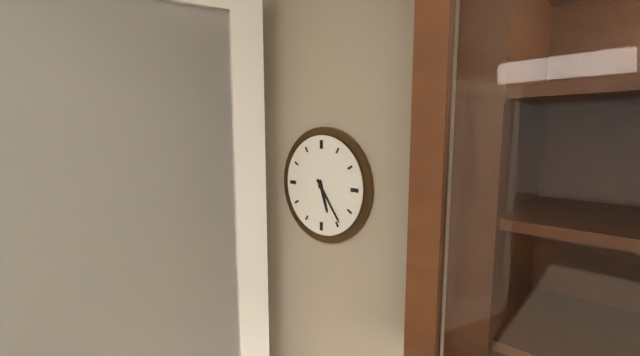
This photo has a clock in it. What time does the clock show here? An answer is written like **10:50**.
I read **5:24**
